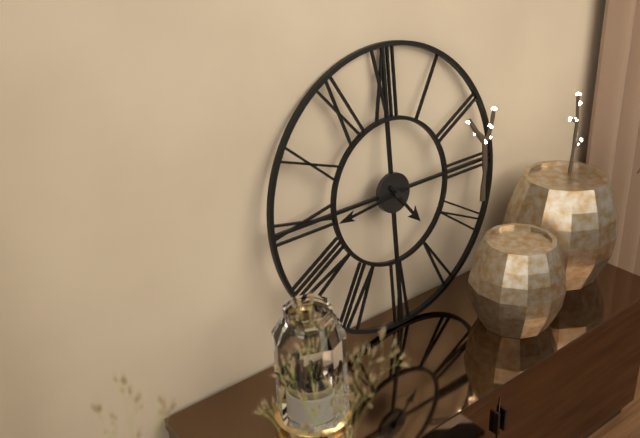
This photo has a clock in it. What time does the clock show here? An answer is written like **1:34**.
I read **4:44**
